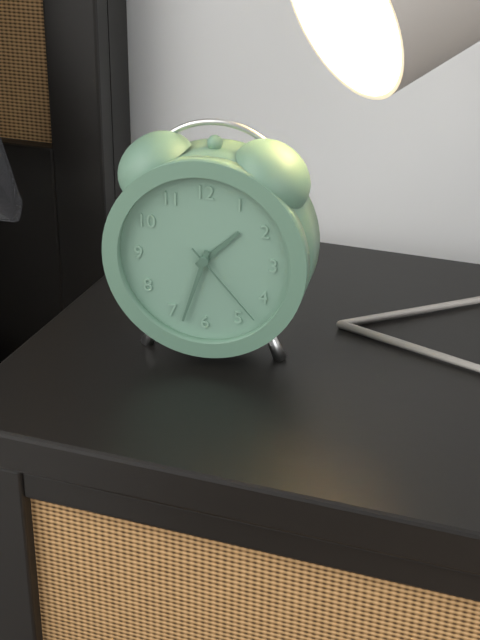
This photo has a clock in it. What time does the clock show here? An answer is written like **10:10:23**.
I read **1:33:23**
